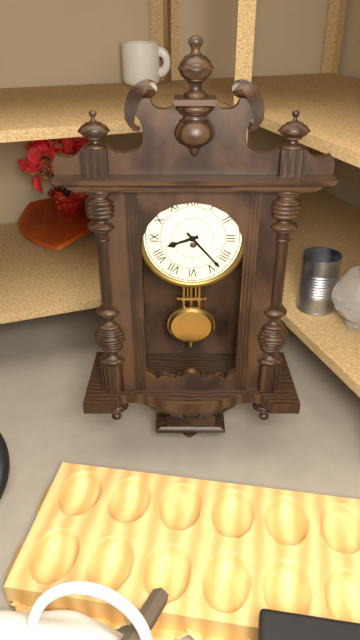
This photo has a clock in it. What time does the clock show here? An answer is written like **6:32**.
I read **8:23**
